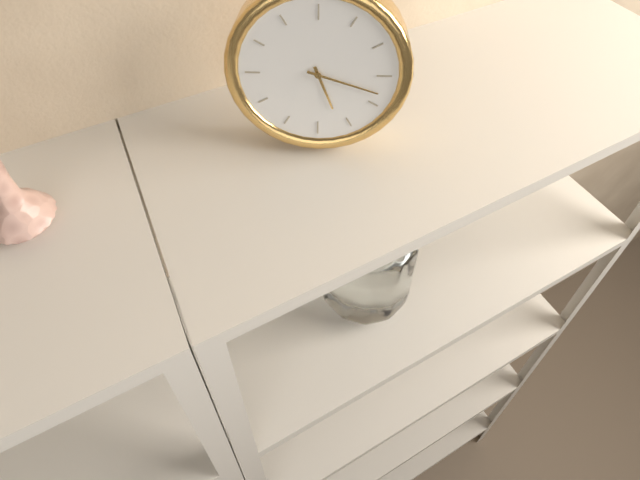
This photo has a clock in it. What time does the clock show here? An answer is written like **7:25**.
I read **5:18**
